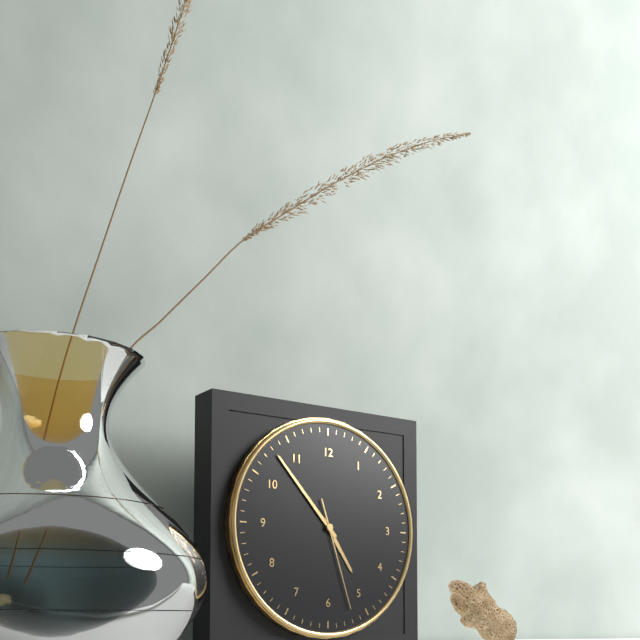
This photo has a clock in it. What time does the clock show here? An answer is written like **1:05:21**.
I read **4:53:27**
